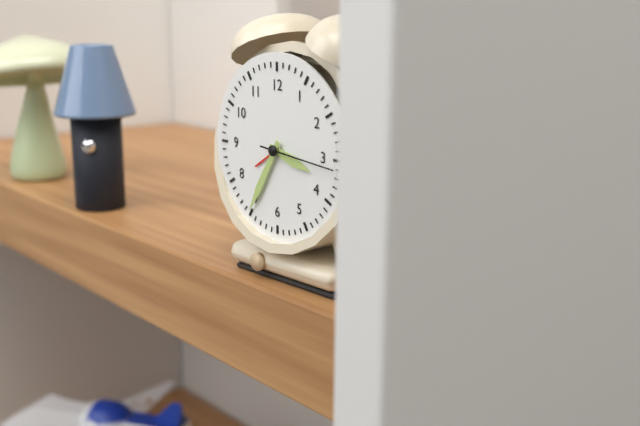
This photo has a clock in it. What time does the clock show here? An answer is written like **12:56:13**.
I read **3:35:16**
